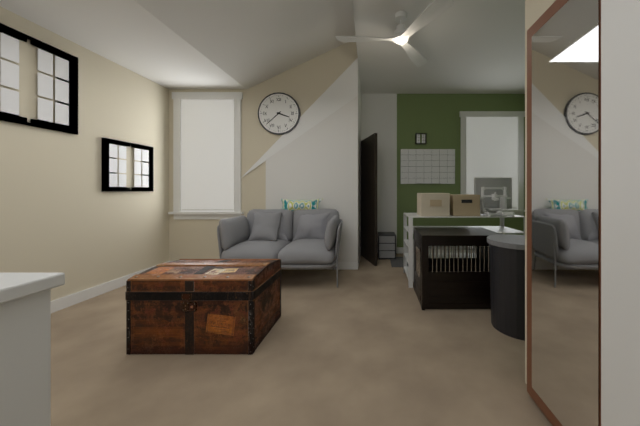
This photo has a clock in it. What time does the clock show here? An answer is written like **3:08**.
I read **3:38**
